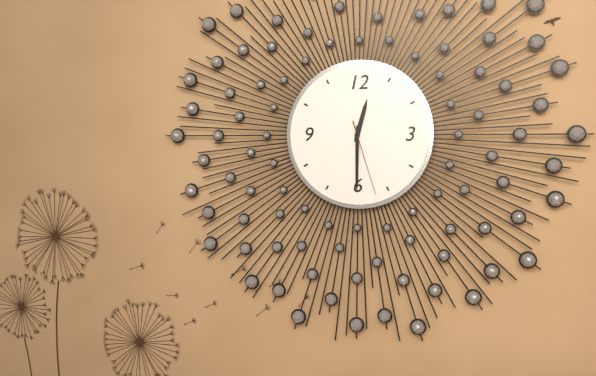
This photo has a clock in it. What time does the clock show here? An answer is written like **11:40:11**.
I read **12:30:27**
